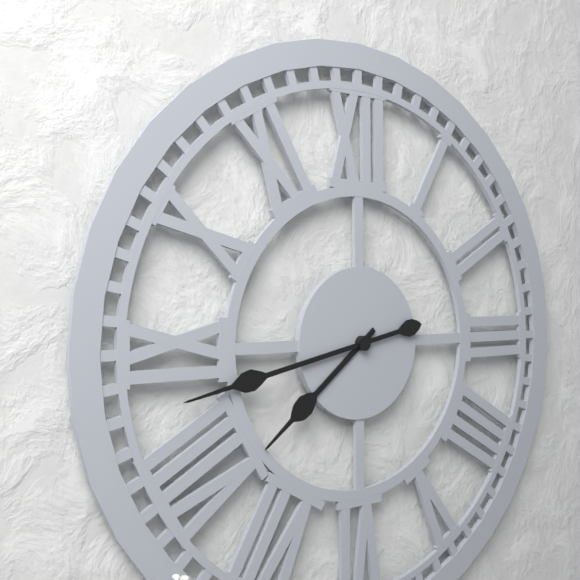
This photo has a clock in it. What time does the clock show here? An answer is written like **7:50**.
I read **7:43**
